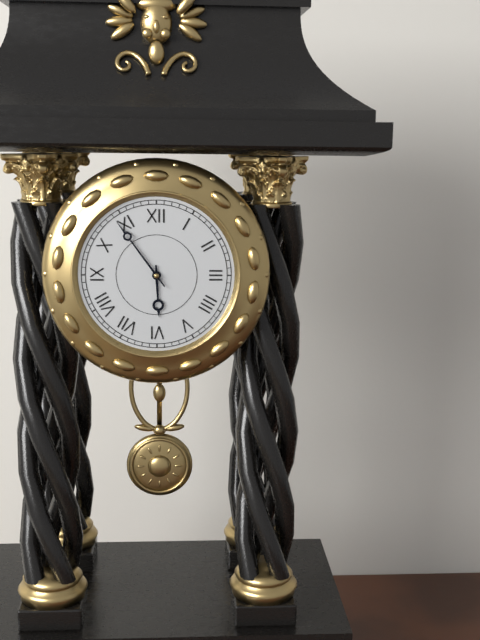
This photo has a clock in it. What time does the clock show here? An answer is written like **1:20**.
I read **5:54**
